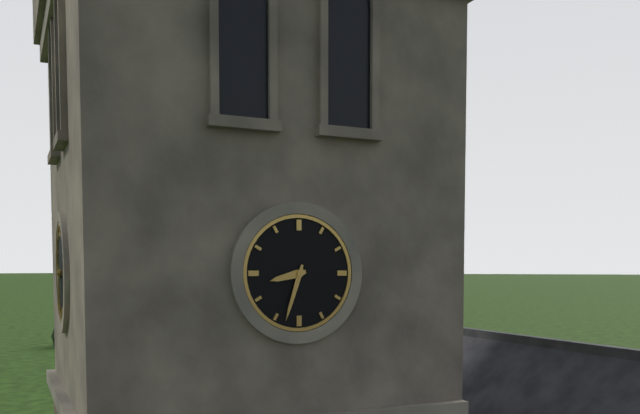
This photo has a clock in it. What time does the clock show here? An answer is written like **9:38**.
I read **8:33**
